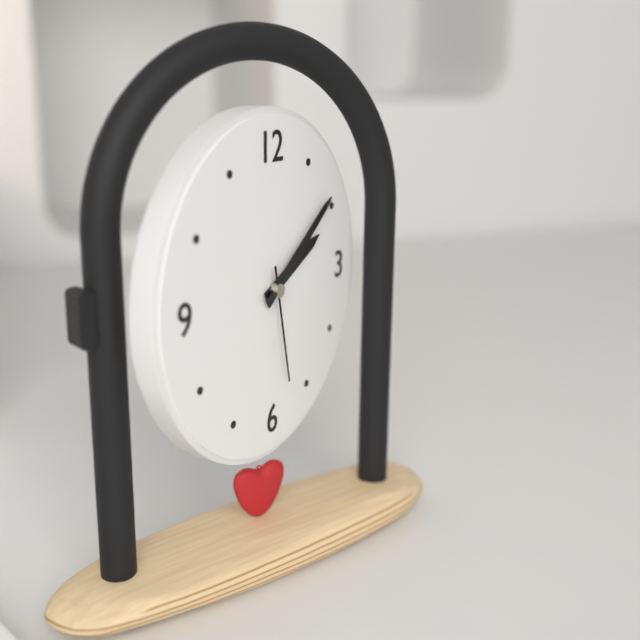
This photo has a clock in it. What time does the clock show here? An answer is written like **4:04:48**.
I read **2:09:28**
